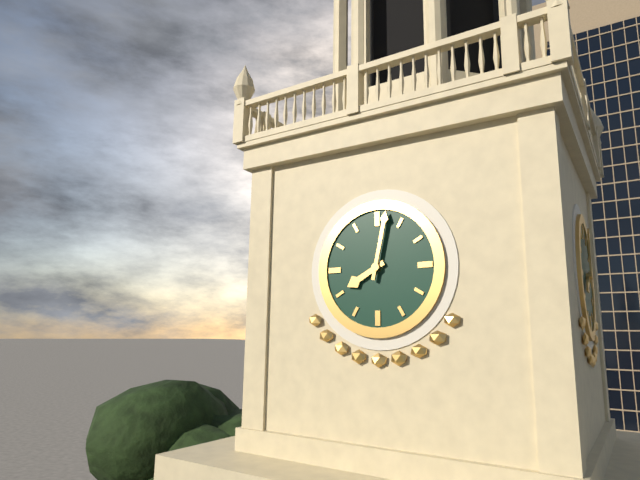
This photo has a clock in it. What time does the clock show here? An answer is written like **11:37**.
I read **8:02**
